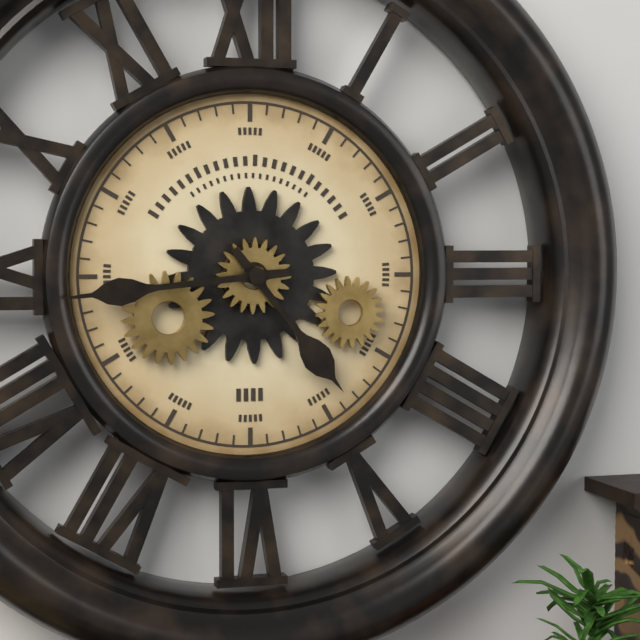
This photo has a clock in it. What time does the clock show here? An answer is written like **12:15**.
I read **4:44**
